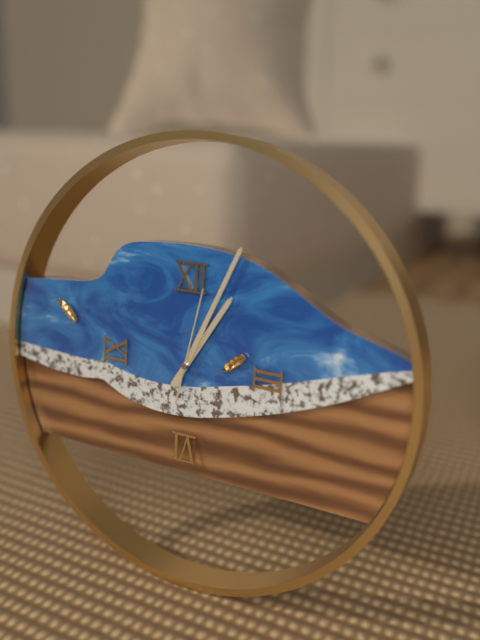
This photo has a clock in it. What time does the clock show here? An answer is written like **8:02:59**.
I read **1:04:02**
